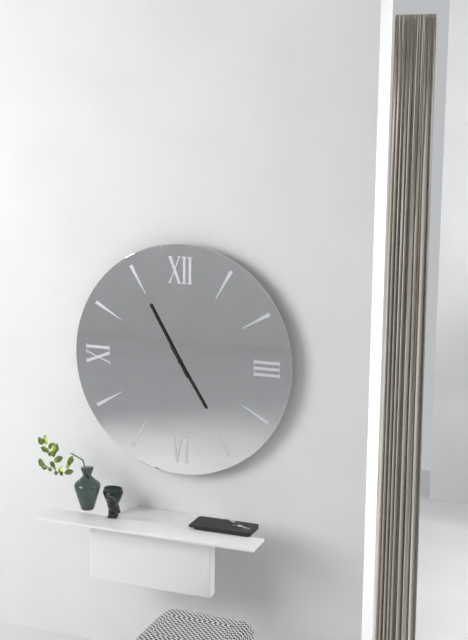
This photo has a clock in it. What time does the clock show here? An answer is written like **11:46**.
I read **4:55**
